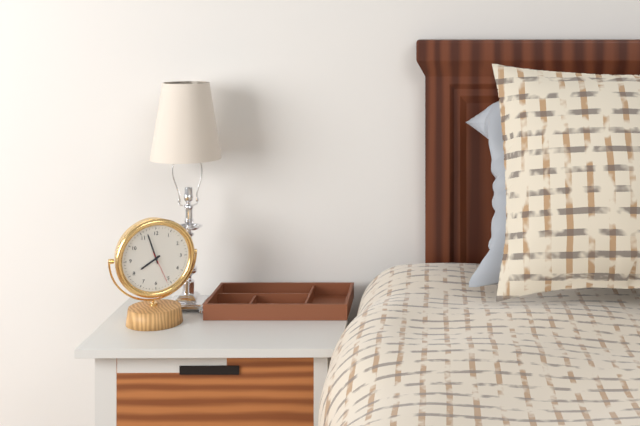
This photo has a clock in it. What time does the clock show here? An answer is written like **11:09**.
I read **7:57**
